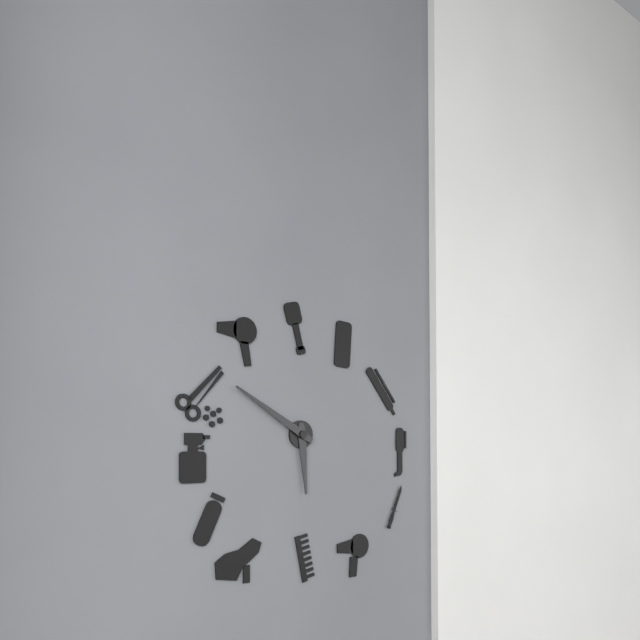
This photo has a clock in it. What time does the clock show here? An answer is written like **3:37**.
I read **5:50**
